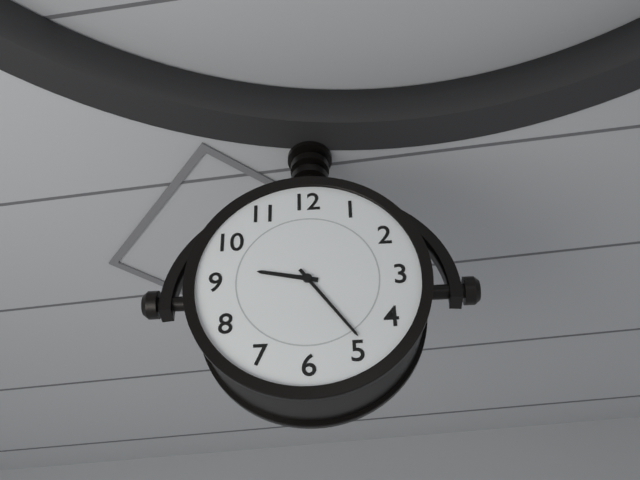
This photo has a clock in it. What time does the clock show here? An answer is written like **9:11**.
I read **9:24**
